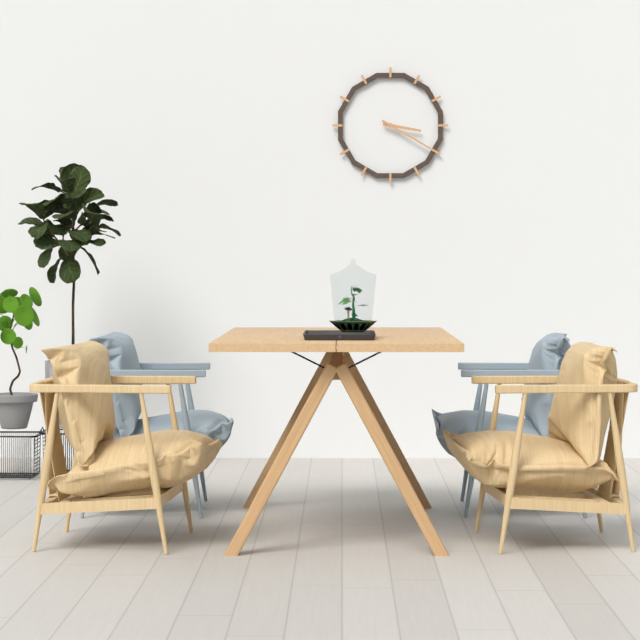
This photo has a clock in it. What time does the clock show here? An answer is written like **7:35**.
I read **3:20**
